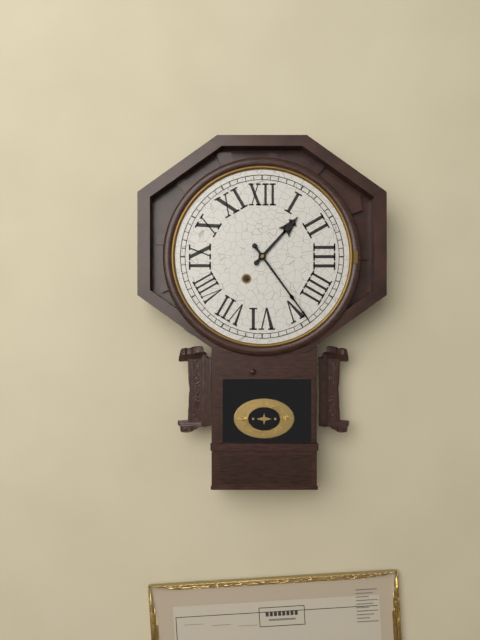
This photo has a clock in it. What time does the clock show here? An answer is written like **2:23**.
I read **1:24**
